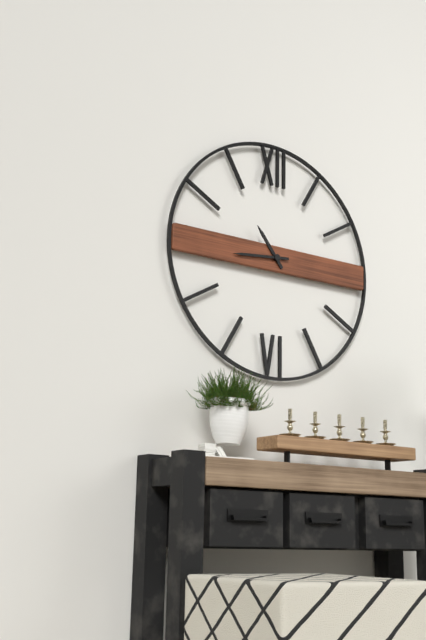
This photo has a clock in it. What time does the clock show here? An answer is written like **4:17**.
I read **10:44**
